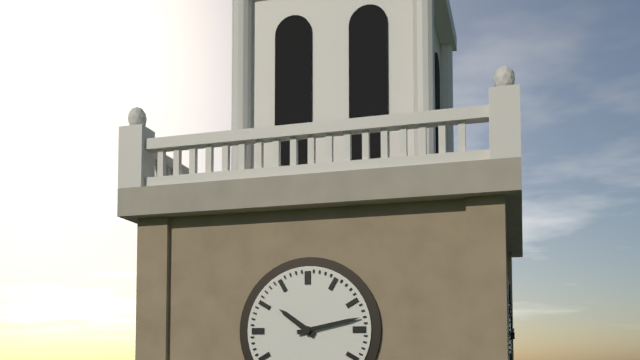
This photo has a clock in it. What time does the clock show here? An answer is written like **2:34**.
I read **10:13**
